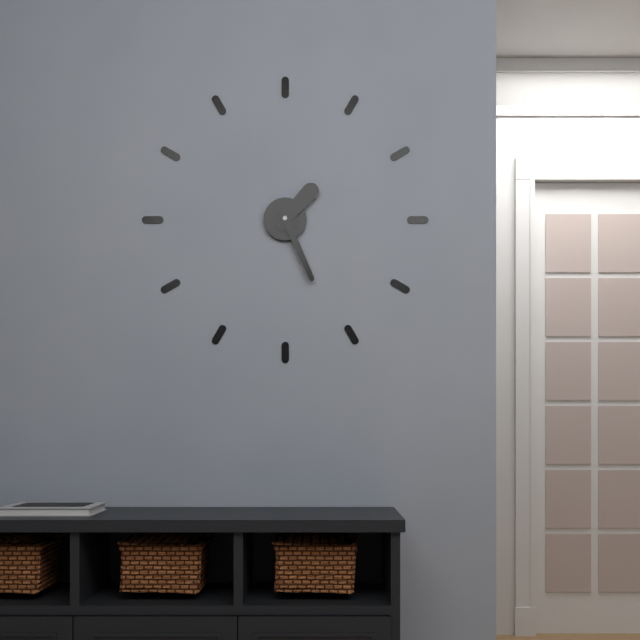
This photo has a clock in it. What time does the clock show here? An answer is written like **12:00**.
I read **1:26**
